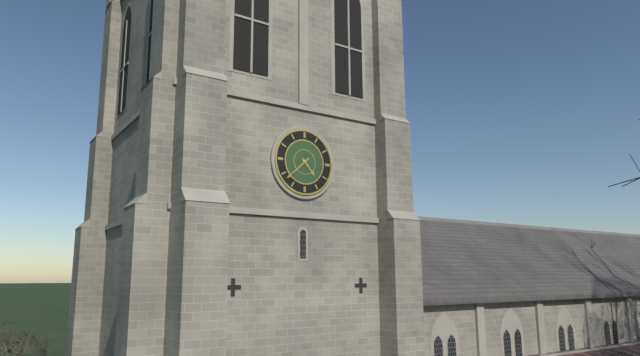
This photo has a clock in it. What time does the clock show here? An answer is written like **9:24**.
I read **4:38**
